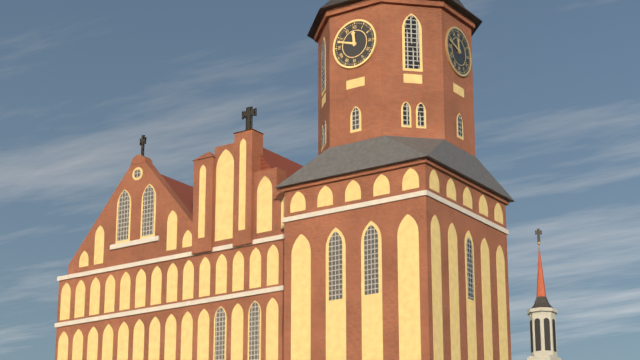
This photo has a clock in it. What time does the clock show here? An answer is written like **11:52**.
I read **11:48**
